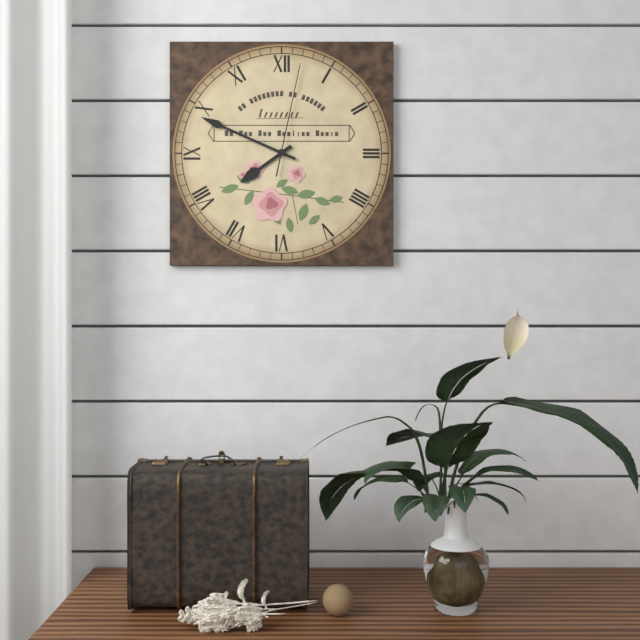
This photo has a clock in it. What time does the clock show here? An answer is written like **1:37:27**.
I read **7:49:02**
